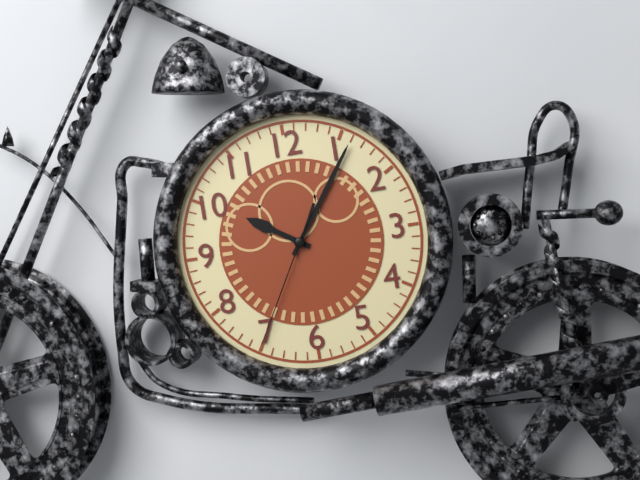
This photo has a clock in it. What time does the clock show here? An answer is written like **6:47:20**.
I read **10:06:35**
